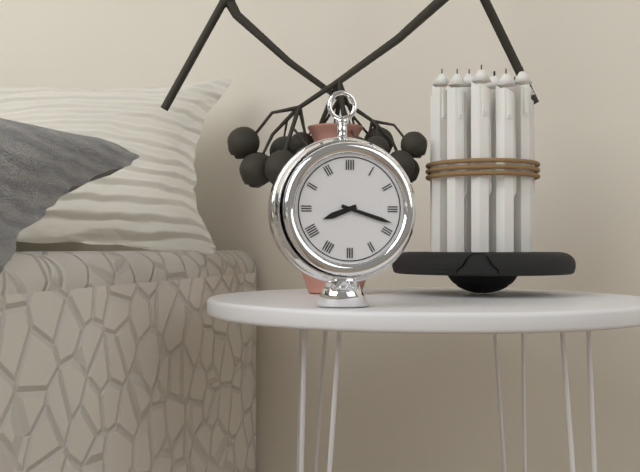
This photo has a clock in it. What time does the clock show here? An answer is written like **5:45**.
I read **8:18**
